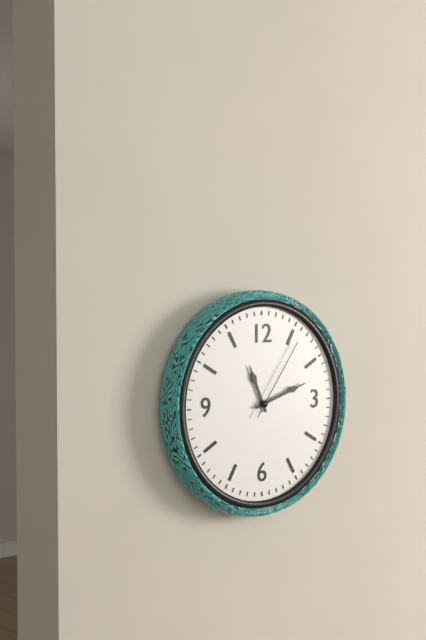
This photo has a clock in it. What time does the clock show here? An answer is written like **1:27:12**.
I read **11:12:06**
